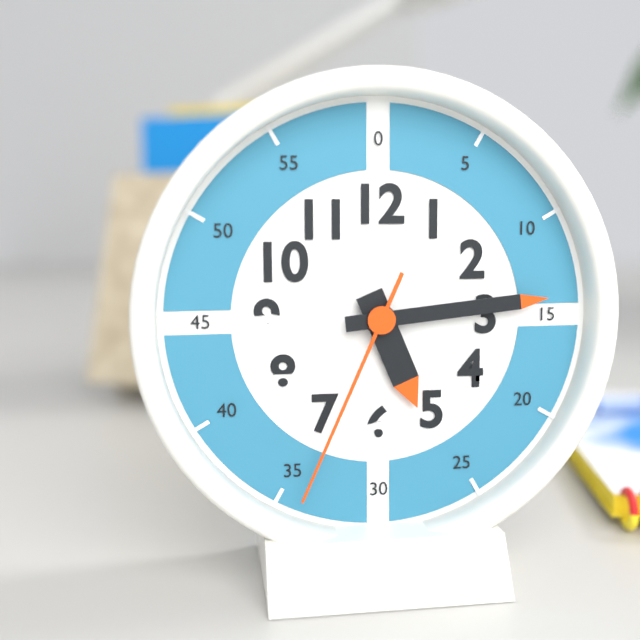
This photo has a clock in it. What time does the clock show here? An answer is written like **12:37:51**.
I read **5:14:34**
